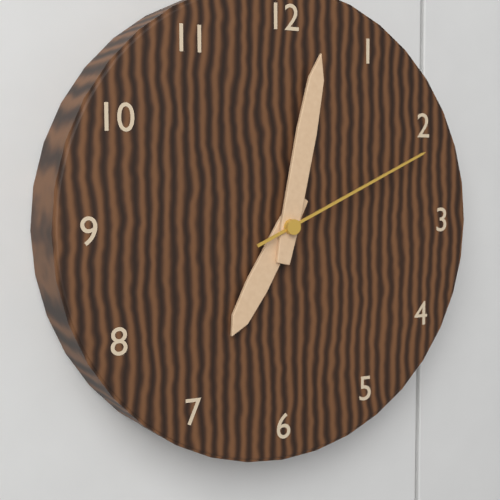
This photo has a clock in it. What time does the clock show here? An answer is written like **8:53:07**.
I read **7:02:11**
